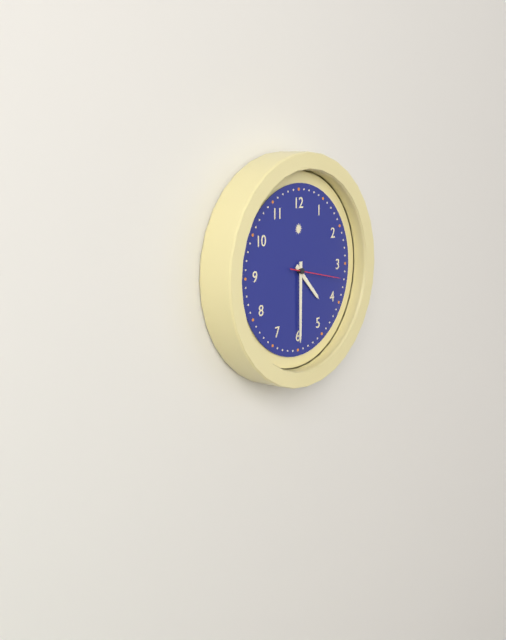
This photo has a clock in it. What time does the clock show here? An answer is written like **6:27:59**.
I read **4:30:17**
